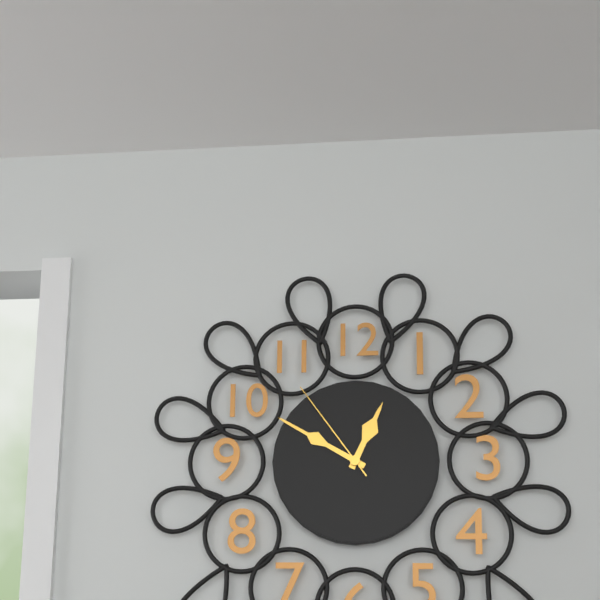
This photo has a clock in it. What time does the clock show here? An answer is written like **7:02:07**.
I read **12:50:54**
